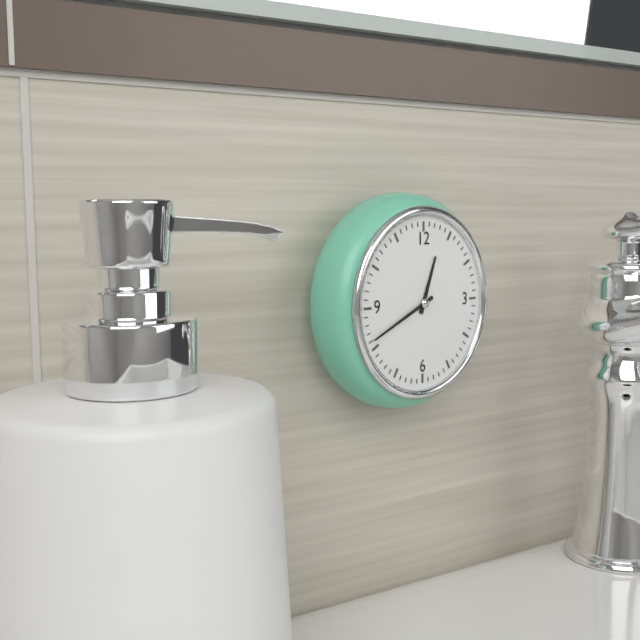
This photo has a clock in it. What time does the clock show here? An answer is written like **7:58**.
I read **12:41**
